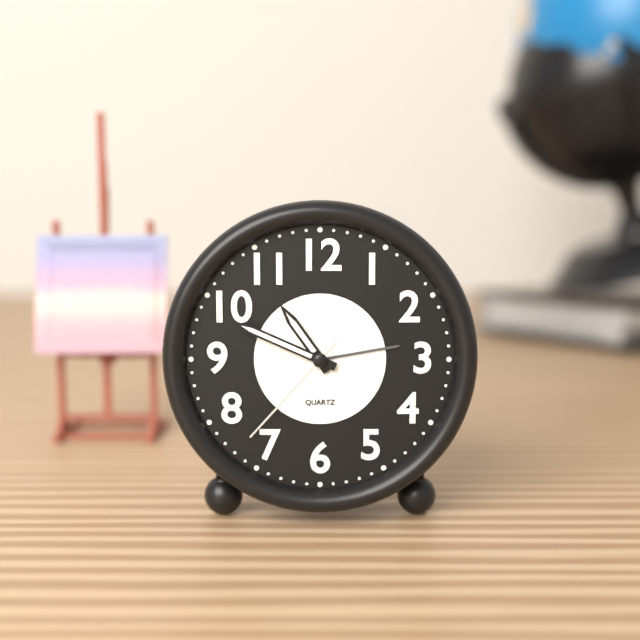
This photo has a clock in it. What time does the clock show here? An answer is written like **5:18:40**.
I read **10:49:37**
